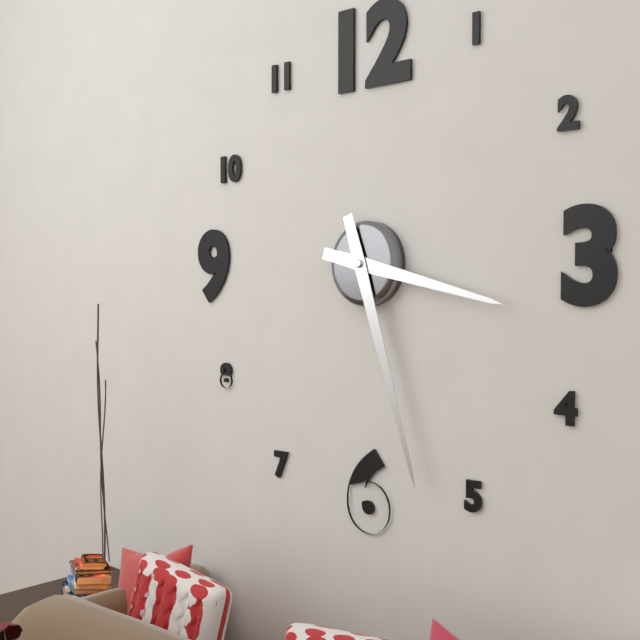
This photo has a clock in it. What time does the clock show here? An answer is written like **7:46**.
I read **3:27**
